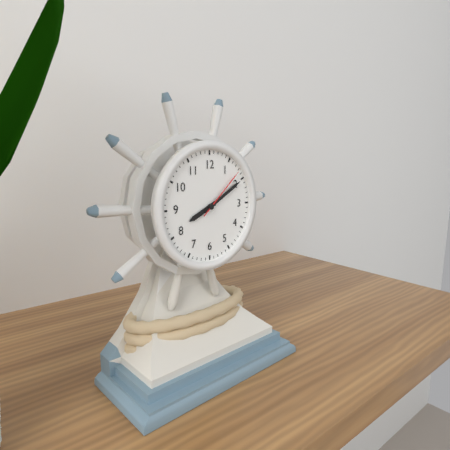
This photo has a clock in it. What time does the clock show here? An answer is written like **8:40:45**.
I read **8:10:08**
